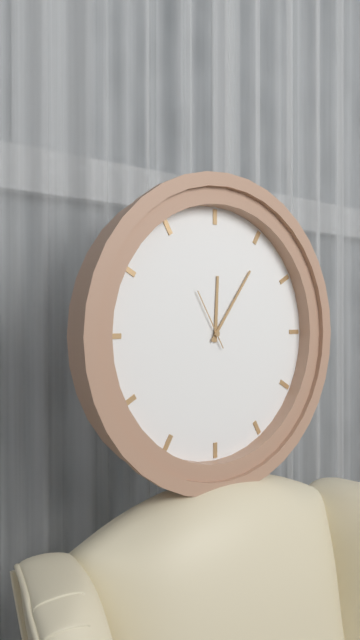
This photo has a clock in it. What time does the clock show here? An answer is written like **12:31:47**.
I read **12:06:55**
